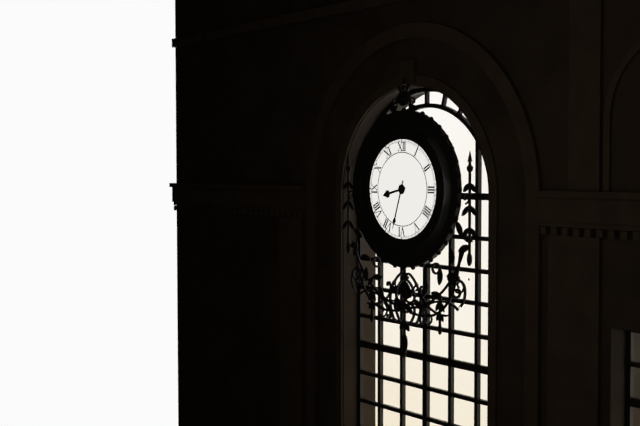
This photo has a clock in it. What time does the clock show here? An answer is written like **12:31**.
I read **8:33**
